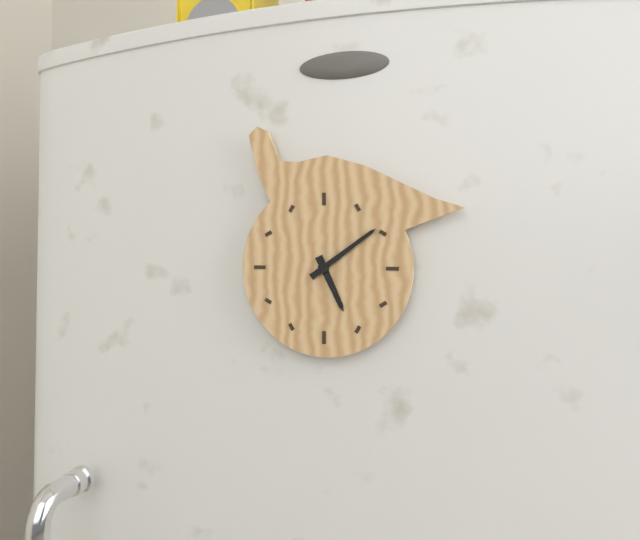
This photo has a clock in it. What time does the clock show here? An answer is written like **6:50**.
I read **5:09**
